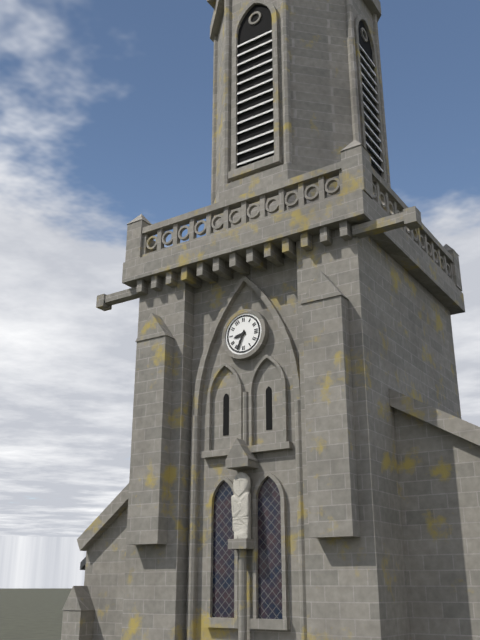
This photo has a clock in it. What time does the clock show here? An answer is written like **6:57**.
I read **8:34**
